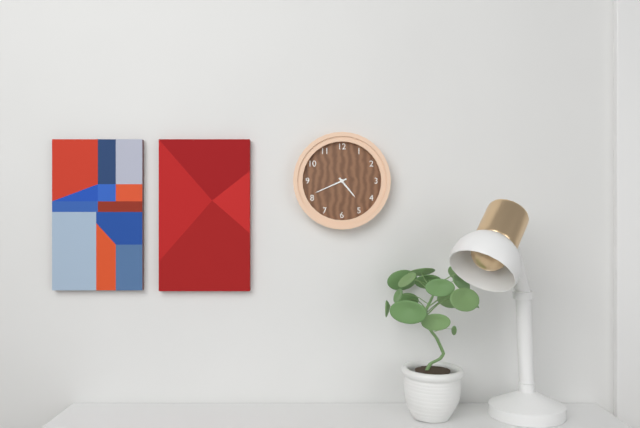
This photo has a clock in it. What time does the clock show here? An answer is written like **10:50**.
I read **4:41**
